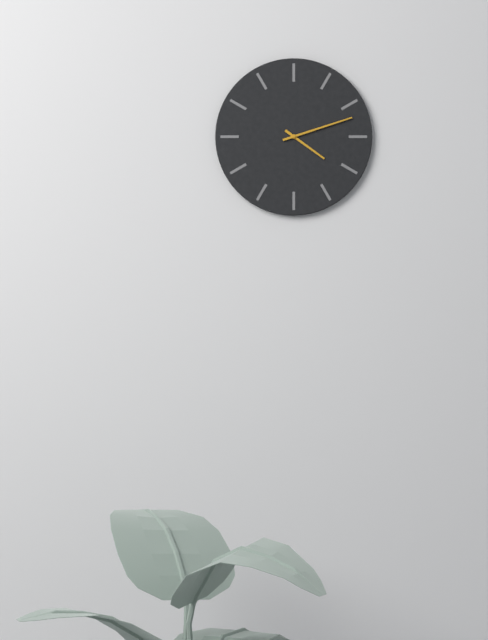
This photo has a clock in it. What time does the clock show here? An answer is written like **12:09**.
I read **4:12**
